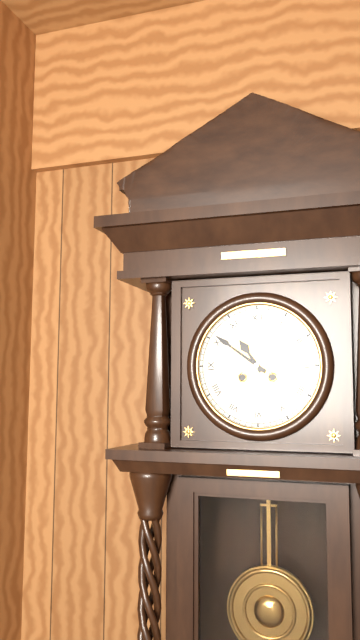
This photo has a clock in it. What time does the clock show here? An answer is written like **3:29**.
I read **10:51**
